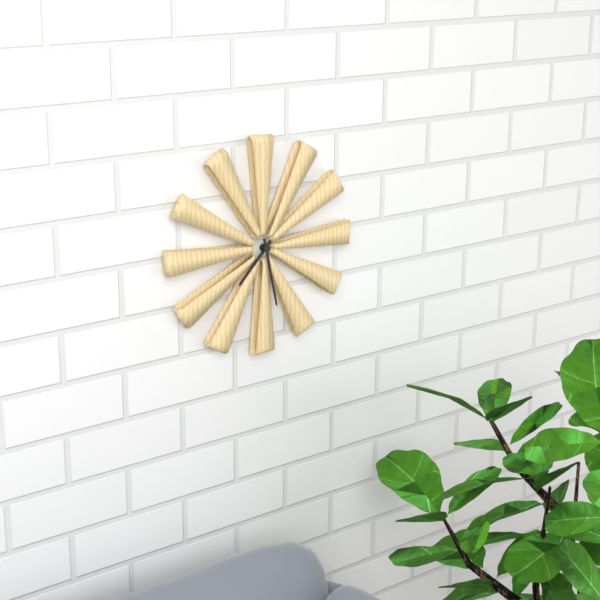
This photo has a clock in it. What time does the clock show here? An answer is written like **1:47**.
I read **7:28**
